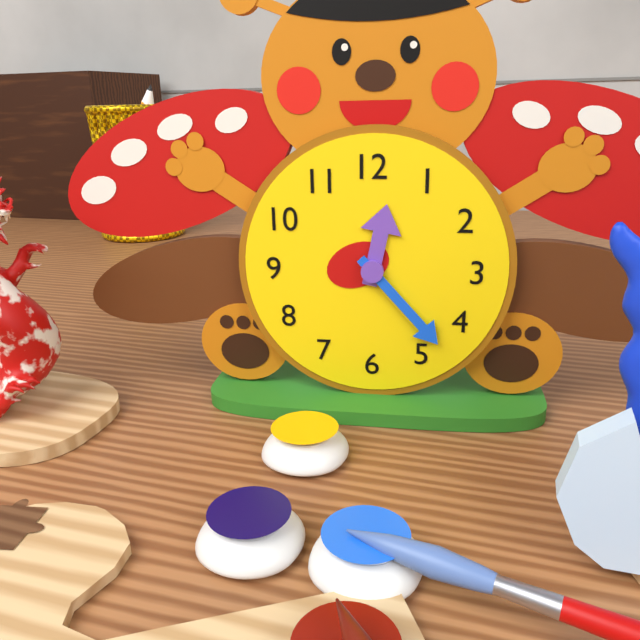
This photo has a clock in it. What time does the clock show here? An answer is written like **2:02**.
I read **12:23**
